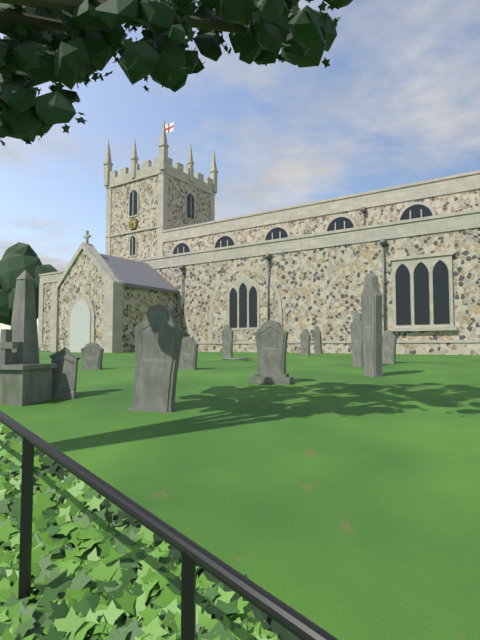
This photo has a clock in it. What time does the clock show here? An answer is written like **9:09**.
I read **7:28**
